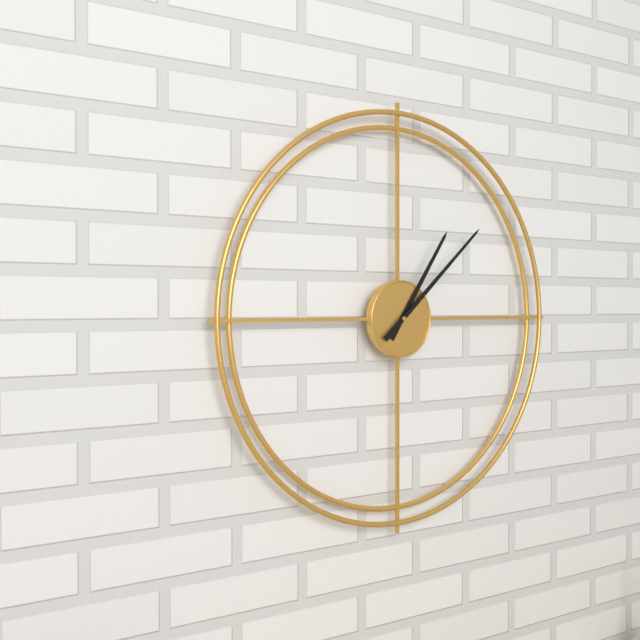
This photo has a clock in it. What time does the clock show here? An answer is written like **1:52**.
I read **1:08**
